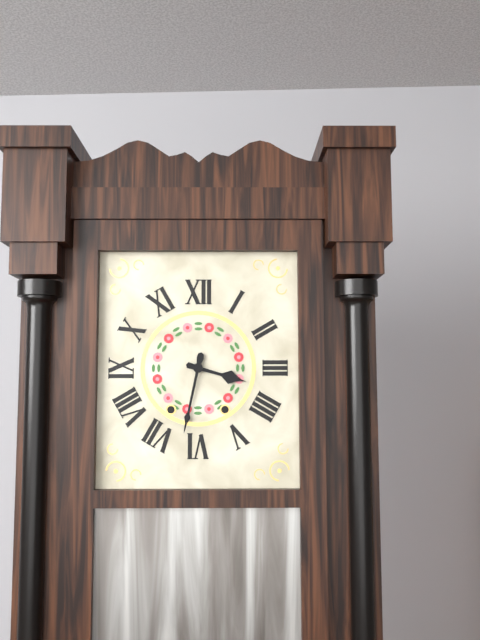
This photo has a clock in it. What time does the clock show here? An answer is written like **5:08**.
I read **3:32**
